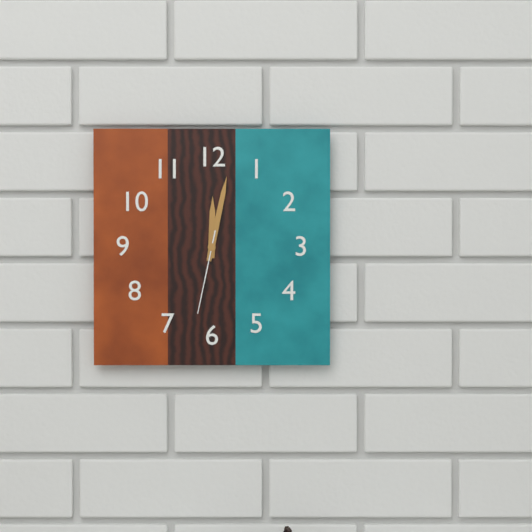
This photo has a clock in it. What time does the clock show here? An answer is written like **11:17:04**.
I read **12:02:32**
